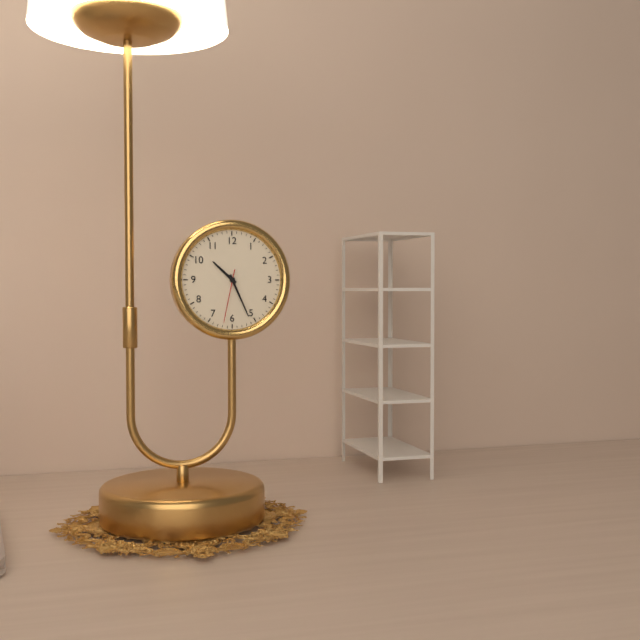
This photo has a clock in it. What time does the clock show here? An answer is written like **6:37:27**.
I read **10:26:32**
